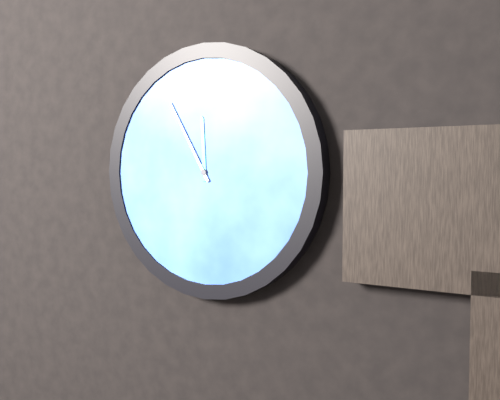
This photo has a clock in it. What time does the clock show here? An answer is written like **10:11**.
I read **11:55**
